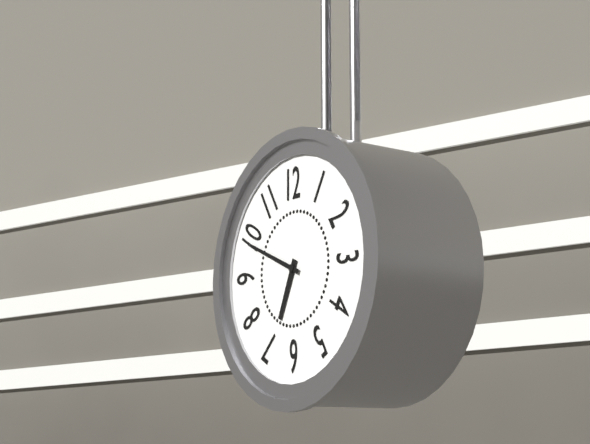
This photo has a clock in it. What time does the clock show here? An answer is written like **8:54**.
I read **6:49**
